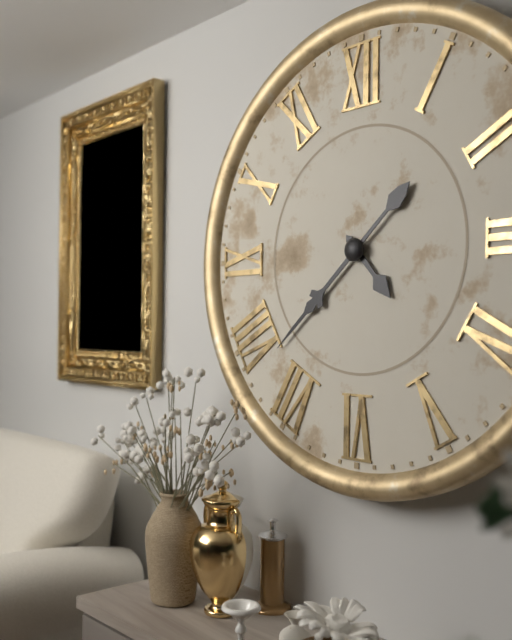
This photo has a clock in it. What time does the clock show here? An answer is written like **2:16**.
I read **4:38**
